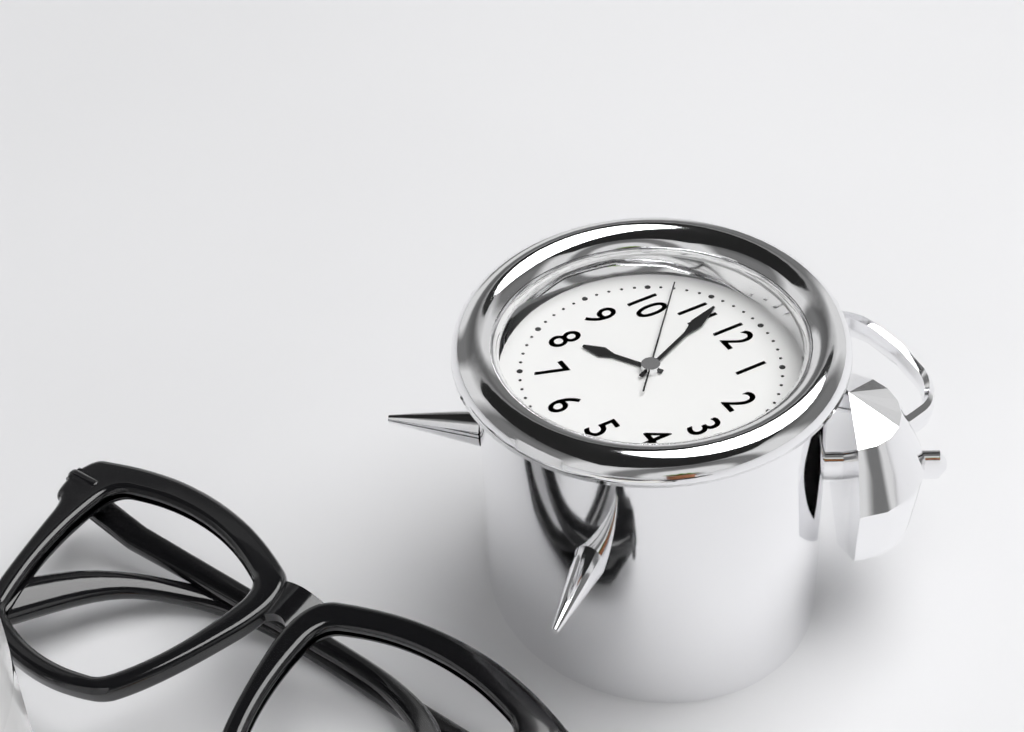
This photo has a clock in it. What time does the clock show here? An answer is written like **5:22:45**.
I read **7:56:52**
